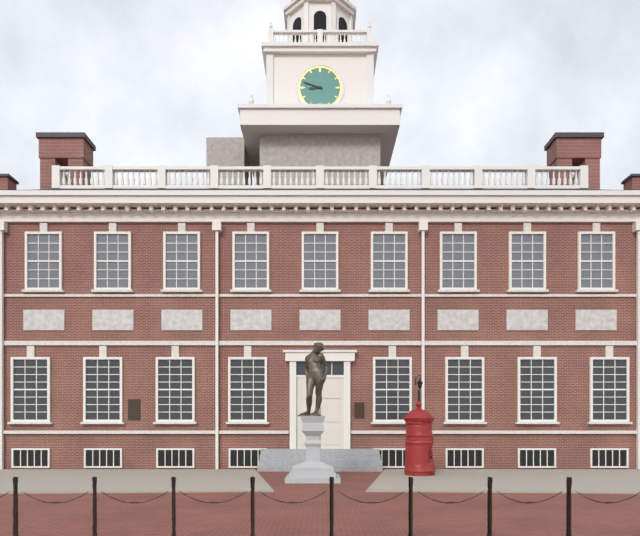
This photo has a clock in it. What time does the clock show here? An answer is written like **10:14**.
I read **8:48**
